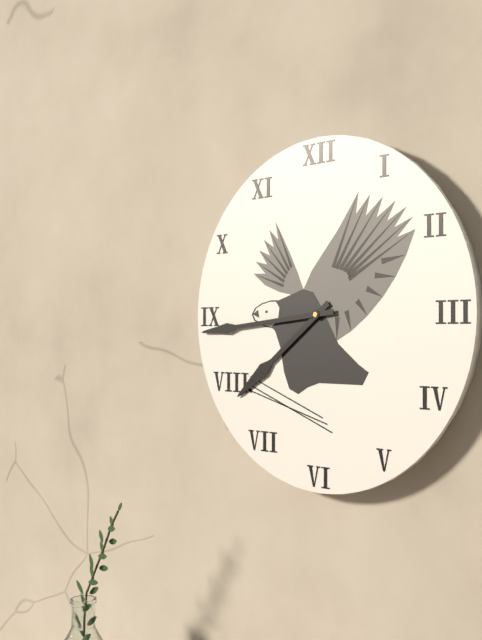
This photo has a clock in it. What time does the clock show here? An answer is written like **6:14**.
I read **7:44**
